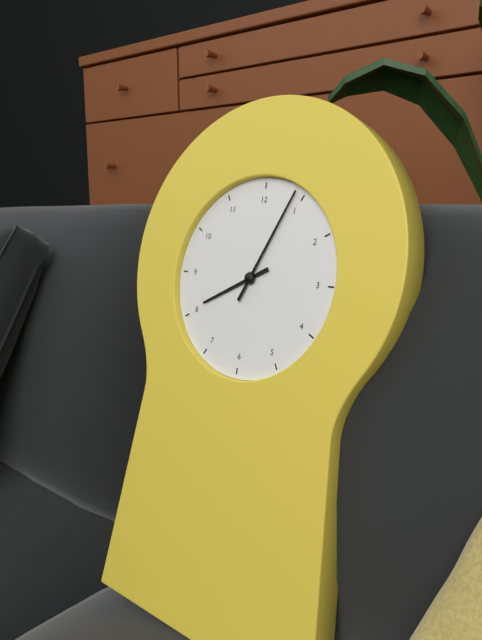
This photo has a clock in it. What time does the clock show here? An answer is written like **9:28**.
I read **8:04**
